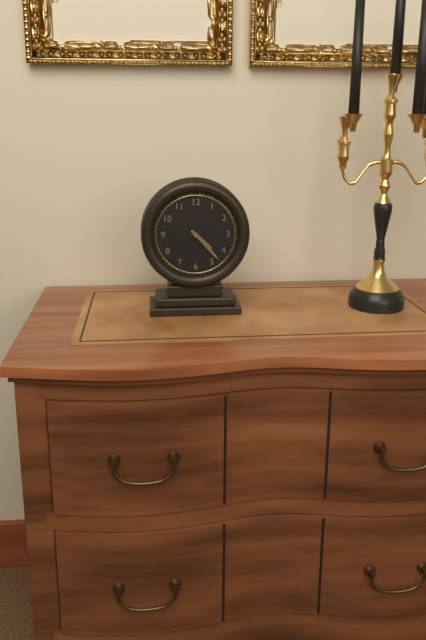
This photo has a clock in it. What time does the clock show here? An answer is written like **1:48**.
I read **4:23**
